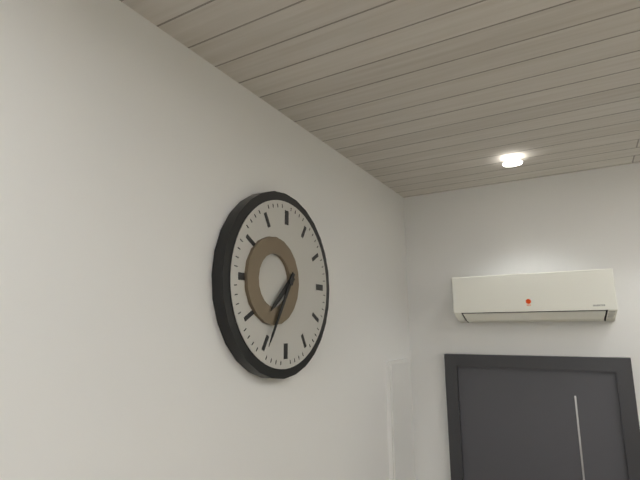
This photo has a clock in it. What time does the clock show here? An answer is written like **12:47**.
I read **7:35**
